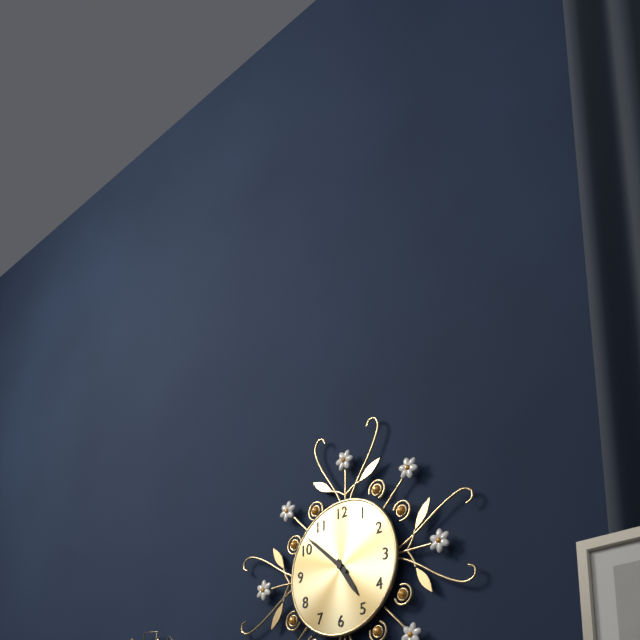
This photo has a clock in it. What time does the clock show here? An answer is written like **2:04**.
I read **4:52**
